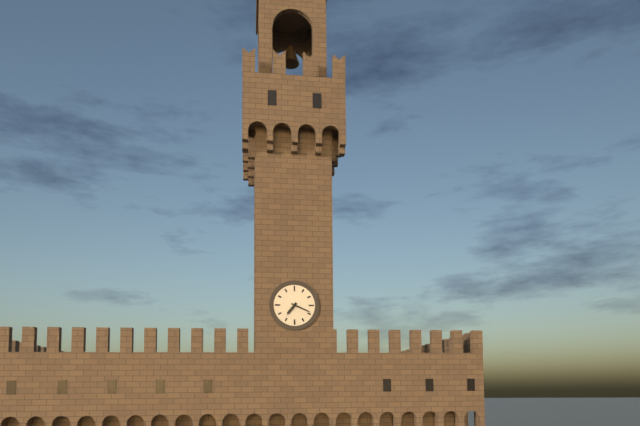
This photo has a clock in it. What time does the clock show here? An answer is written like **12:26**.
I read **7:19**
